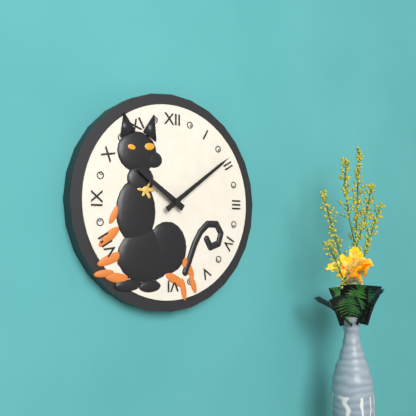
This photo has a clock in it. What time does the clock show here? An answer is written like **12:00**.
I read **10:09**
